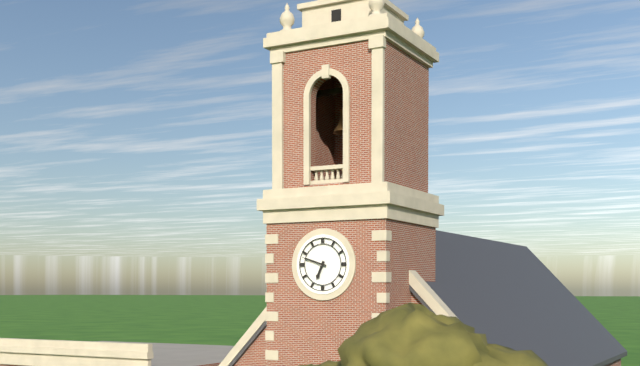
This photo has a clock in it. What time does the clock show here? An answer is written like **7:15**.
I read **6:48**
